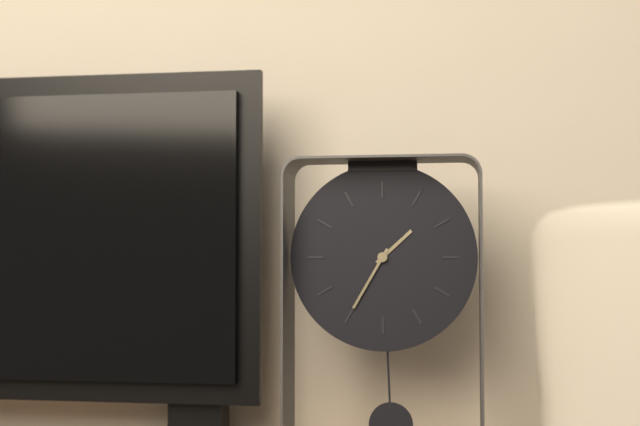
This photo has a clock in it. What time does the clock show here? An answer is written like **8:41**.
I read **1:35**
